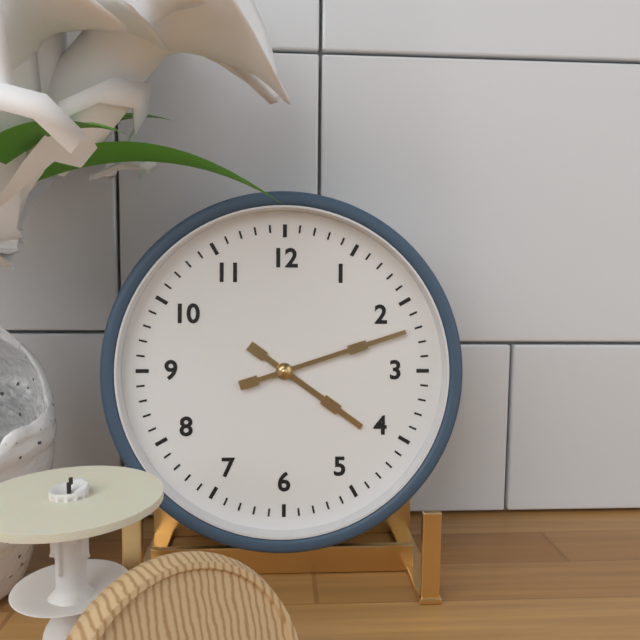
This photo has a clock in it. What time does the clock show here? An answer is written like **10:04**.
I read **4:12**
